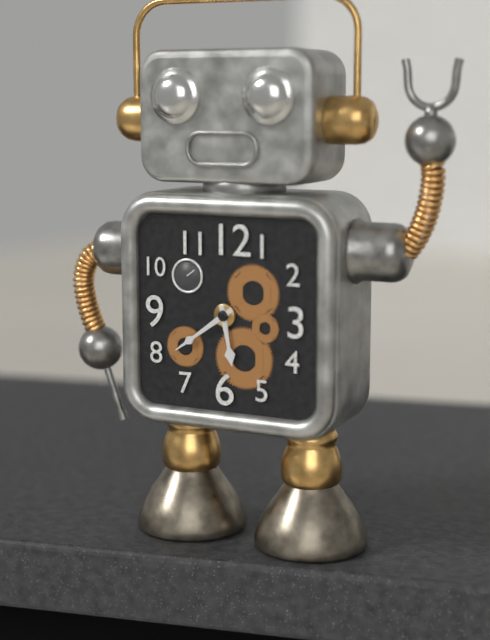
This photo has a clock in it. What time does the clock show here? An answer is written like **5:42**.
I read **5:39**
